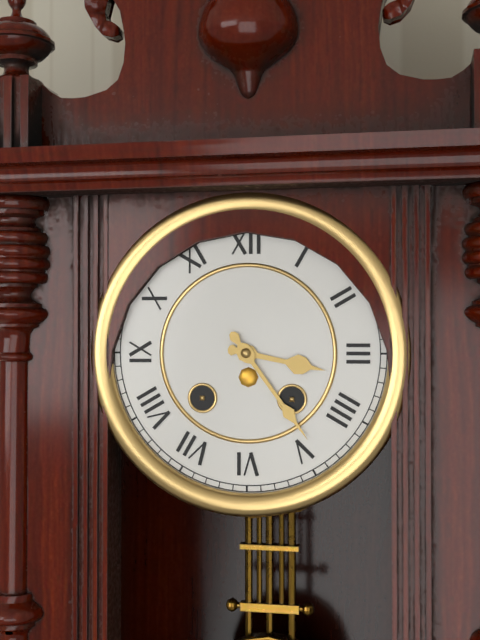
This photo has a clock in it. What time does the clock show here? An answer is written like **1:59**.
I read **3:24**
